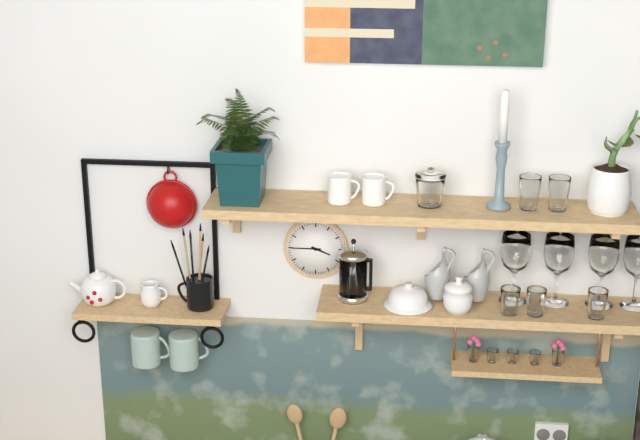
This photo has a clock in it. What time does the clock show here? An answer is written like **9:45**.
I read **3:45**
